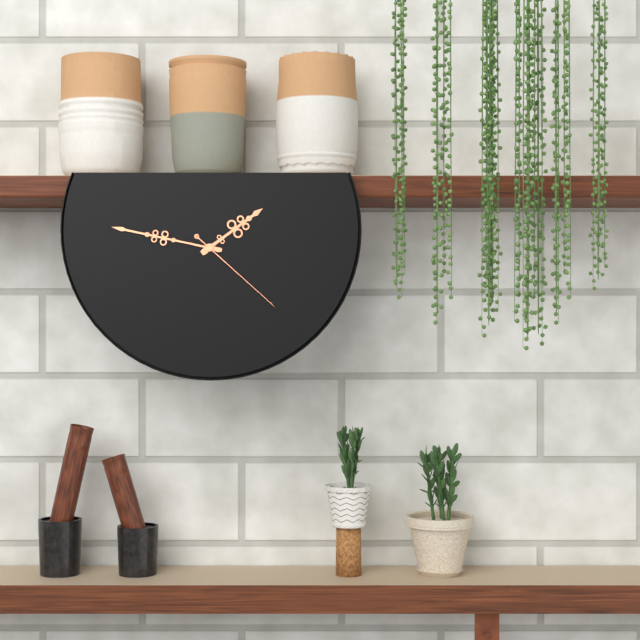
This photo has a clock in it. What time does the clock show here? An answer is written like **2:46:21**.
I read **1:47:22**
